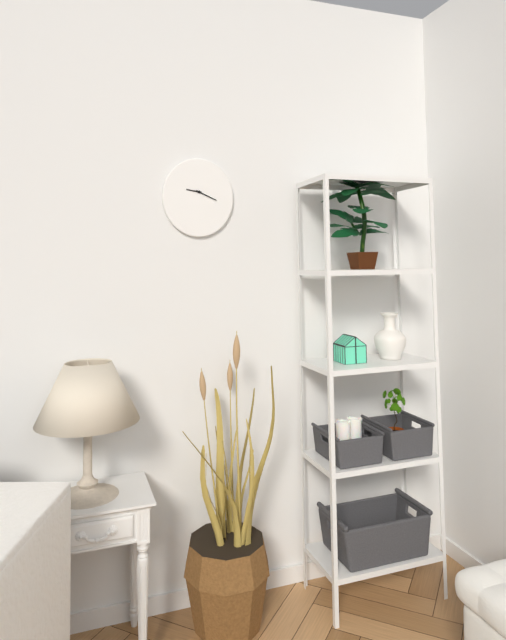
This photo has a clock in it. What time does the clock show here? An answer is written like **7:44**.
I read **9:19**
